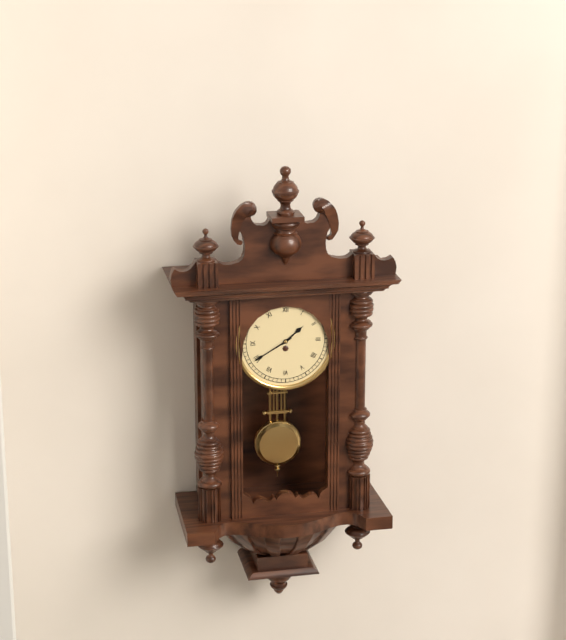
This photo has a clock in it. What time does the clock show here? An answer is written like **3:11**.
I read **1:40**
